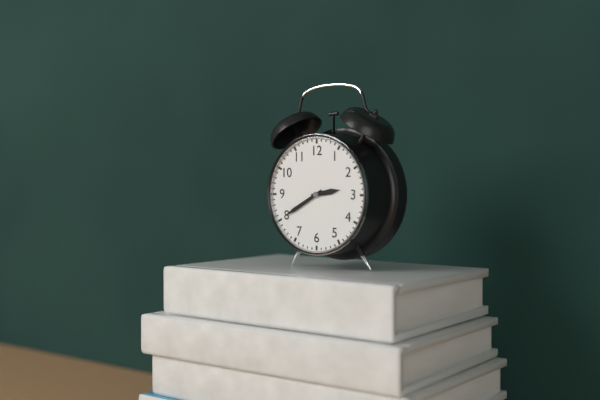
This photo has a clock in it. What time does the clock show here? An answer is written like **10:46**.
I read **2:40**
